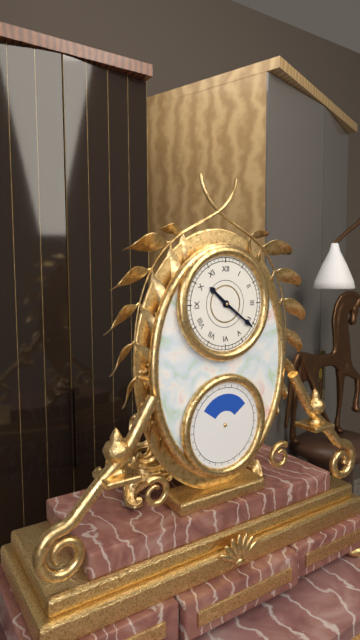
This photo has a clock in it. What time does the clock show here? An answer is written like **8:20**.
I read **10:21**
